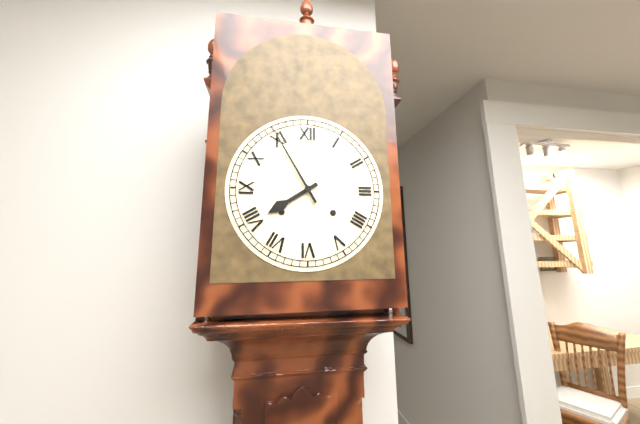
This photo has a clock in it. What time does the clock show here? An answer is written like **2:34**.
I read **7:55**
